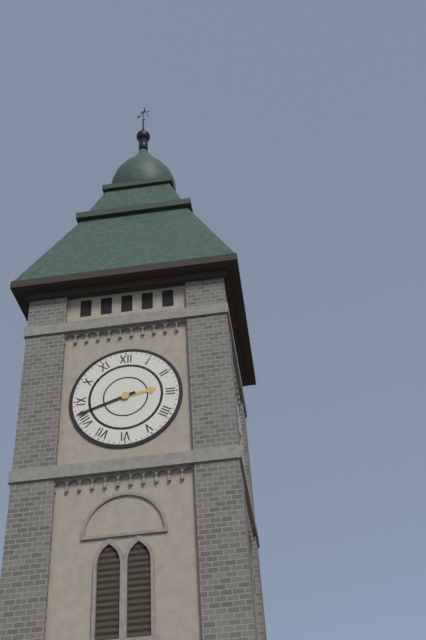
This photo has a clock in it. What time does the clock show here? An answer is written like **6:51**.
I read **2:42**
